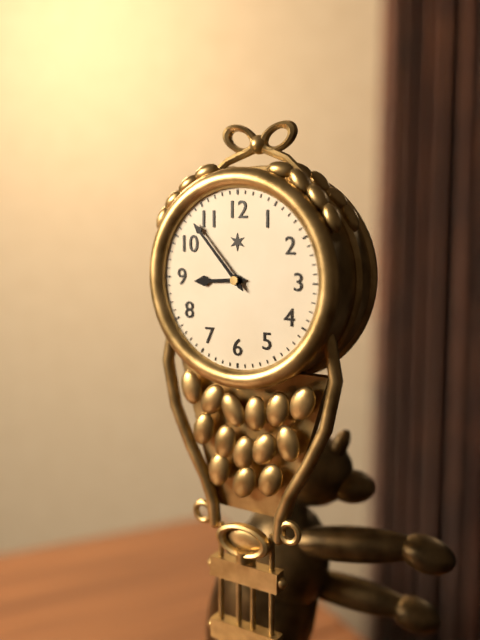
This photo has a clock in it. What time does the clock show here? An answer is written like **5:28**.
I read **8:53**
